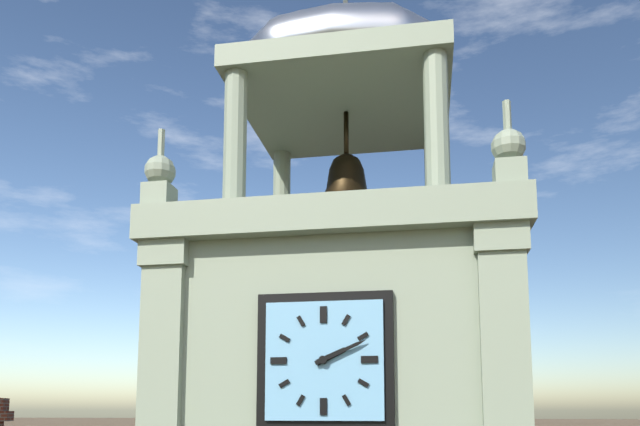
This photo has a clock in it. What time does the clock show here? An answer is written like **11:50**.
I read **2:11**
